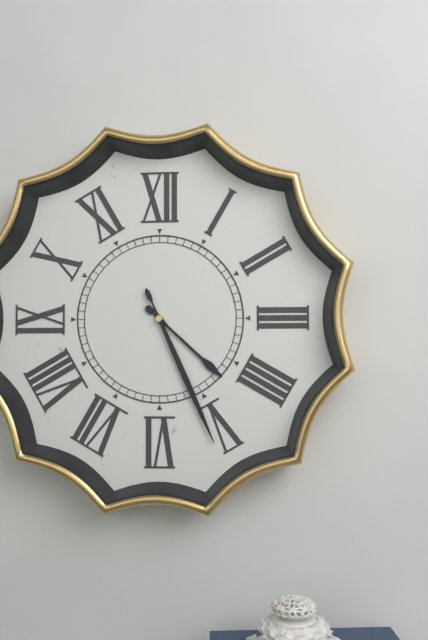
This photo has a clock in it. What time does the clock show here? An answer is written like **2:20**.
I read **4:26**
